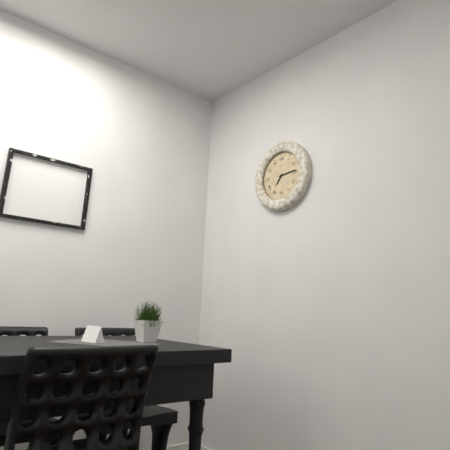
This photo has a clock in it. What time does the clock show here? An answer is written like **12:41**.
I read **7:14**
